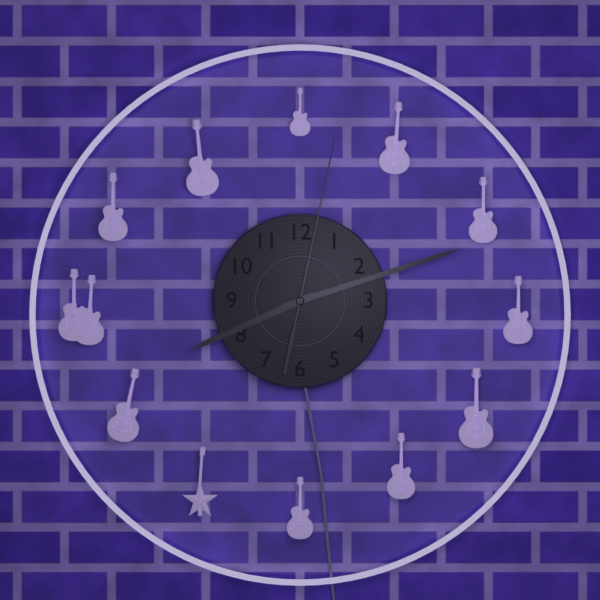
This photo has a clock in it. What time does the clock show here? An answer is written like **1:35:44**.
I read **8:12:02**
